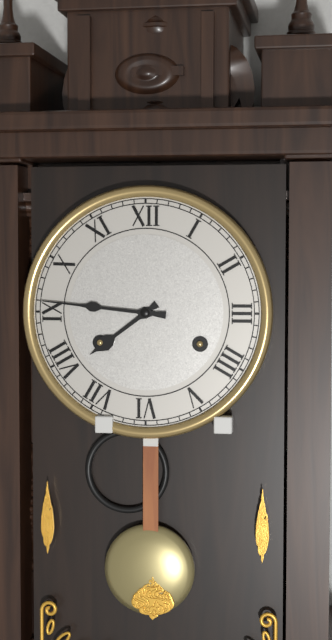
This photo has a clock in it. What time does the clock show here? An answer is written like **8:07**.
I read **7:46**
